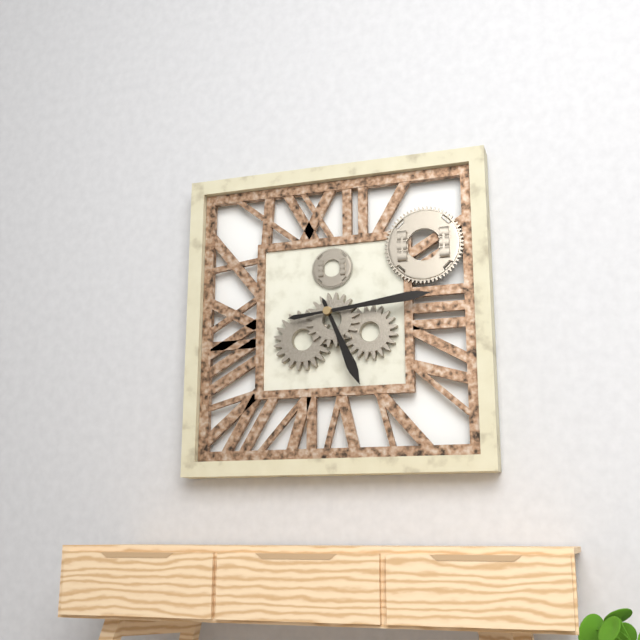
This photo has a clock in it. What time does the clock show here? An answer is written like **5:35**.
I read **5:14**
